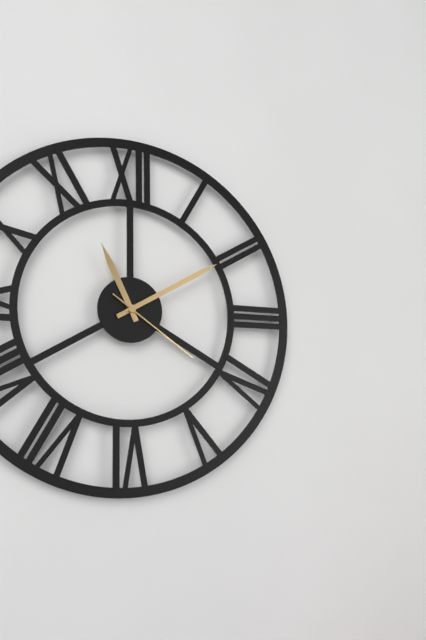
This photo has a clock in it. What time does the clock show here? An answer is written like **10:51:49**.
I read **11:10:21**
